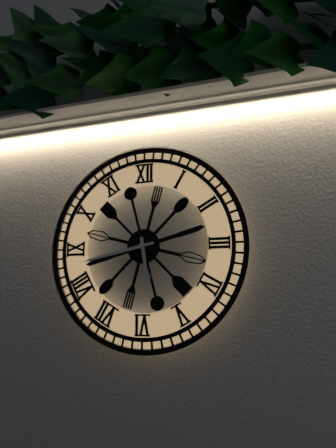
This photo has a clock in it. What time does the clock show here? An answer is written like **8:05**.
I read **5:43**
